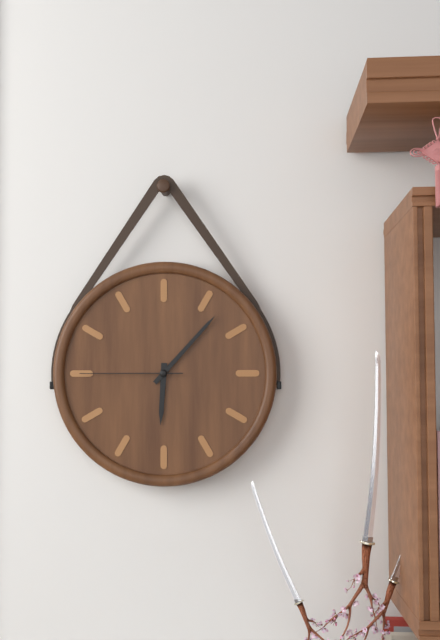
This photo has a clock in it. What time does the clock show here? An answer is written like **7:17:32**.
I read **6:07:45**
